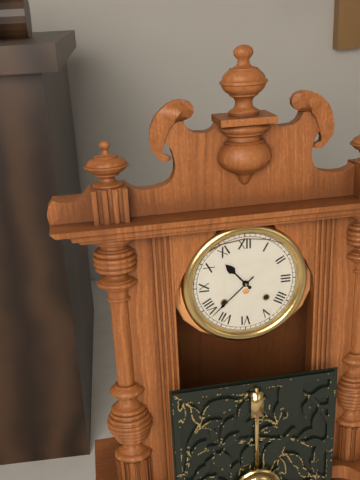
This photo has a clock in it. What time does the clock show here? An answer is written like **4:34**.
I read **10:38**
